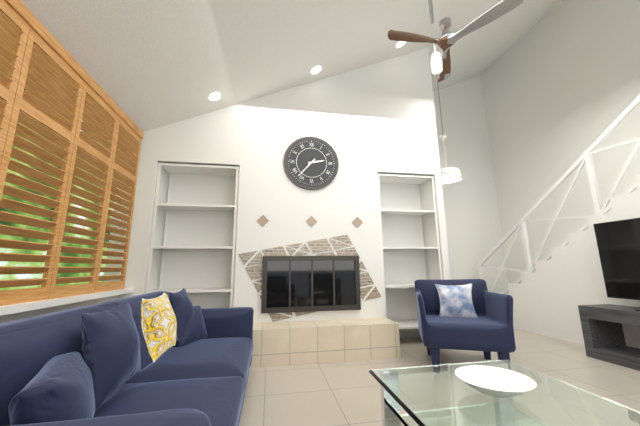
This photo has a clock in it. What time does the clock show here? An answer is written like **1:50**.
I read **2:37**
